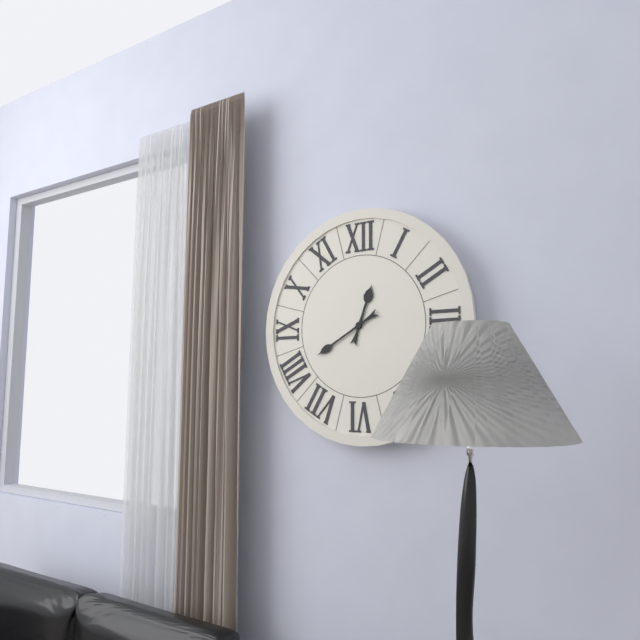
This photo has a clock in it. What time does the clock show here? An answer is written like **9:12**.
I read **12:40**
